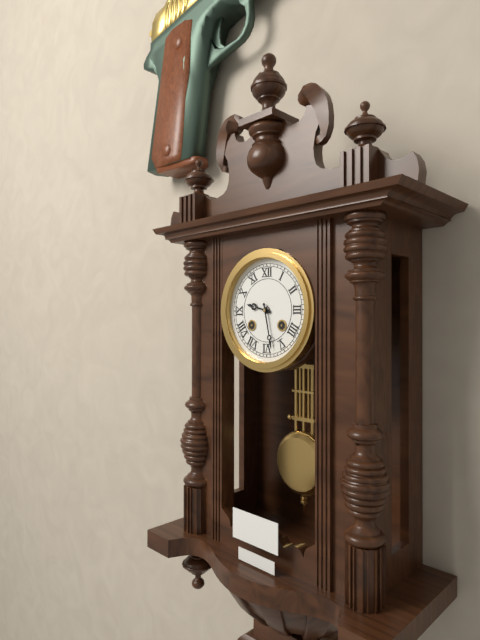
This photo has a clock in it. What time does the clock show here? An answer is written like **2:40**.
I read **9:28**
